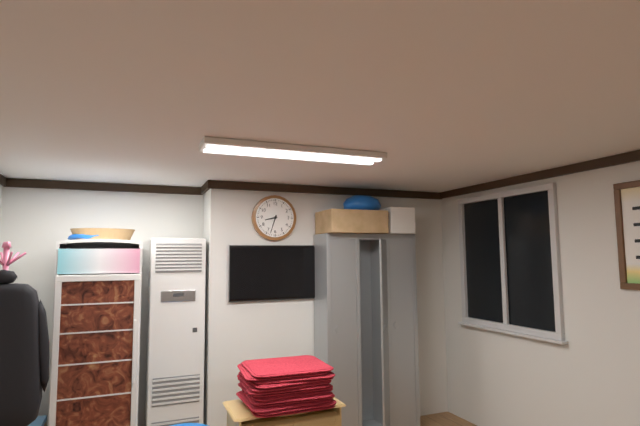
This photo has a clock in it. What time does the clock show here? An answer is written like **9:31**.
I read **8:33**
